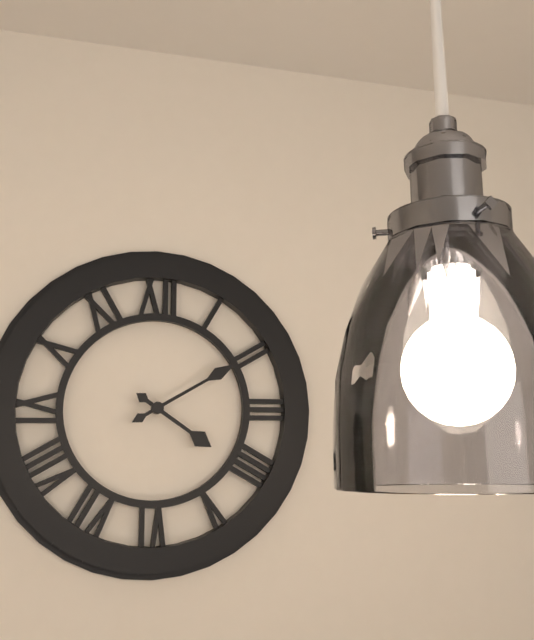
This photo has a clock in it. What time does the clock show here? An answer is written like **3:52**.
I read **4:10**
